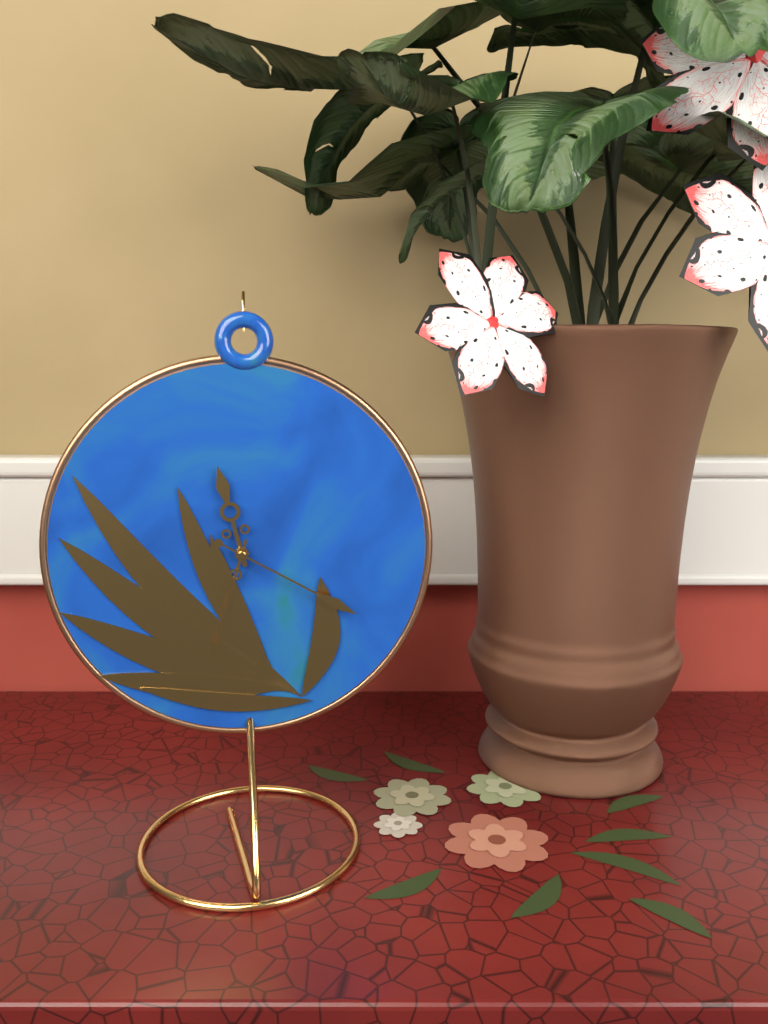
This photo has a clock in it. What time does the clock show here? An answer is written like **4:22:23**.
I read **11:33:20**
